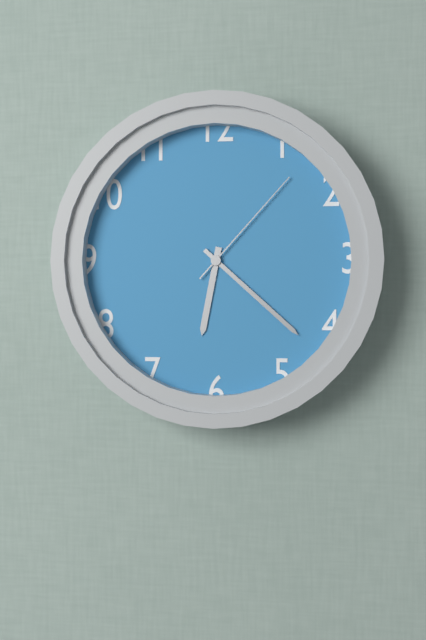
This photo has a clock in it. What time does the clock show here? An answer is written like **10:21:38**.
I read **6:22:07**
